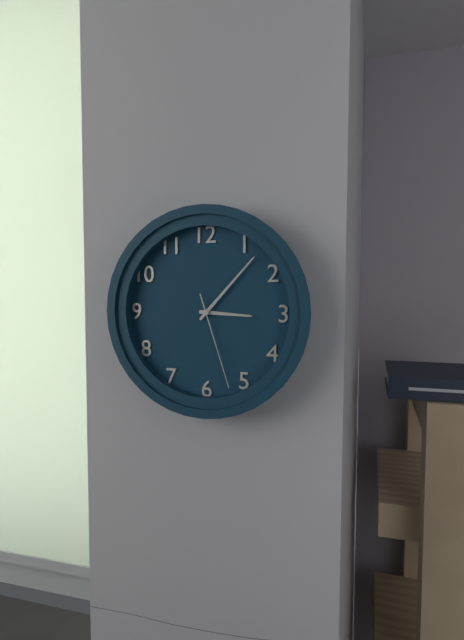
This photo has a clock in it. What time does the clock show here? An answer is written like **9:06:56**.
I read **3:07:27**
